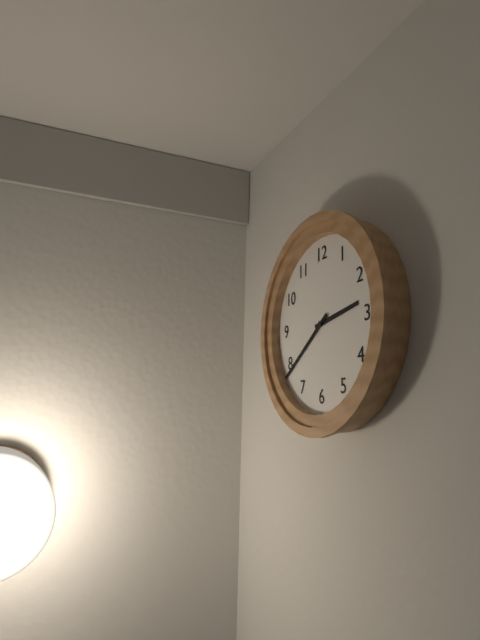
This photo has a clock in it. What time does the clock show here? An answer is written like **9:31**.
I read **2:39**
